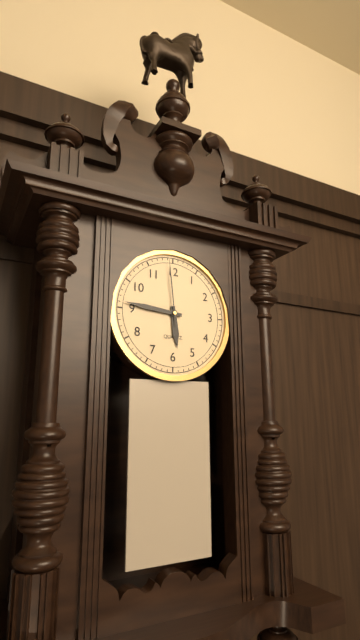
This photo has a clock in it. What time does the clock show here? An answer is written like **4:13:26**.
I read **5:46:59**
